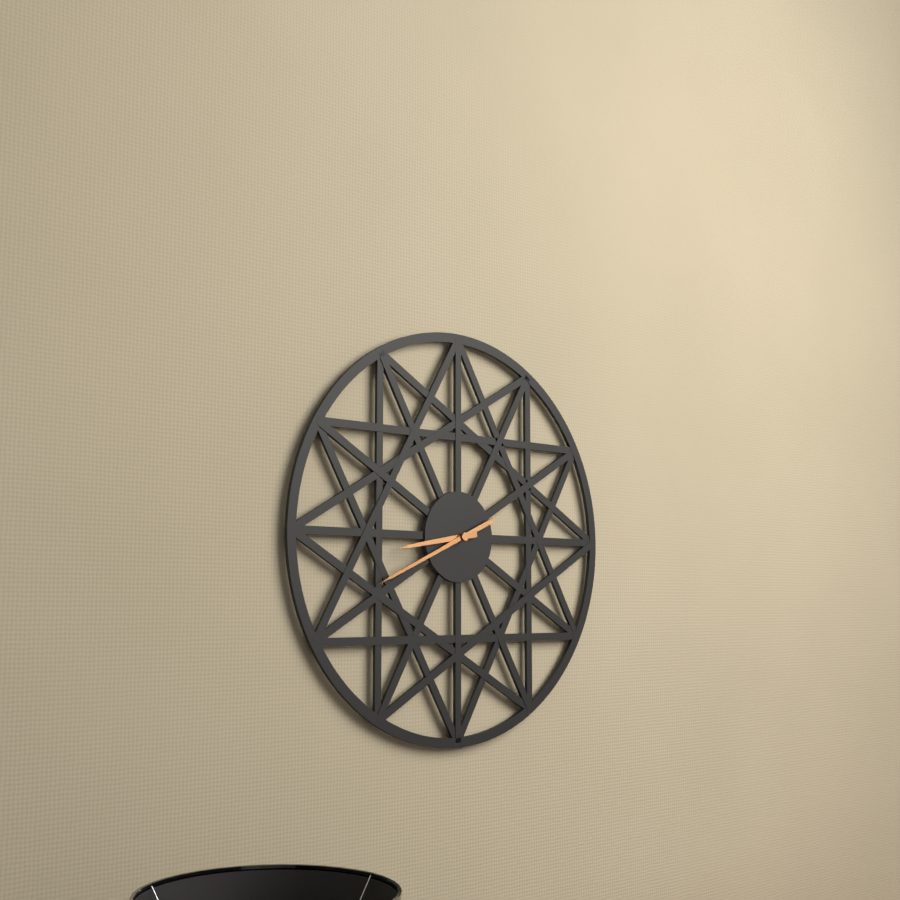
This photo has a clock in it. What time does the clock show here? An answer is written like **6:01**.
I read **8:41**
